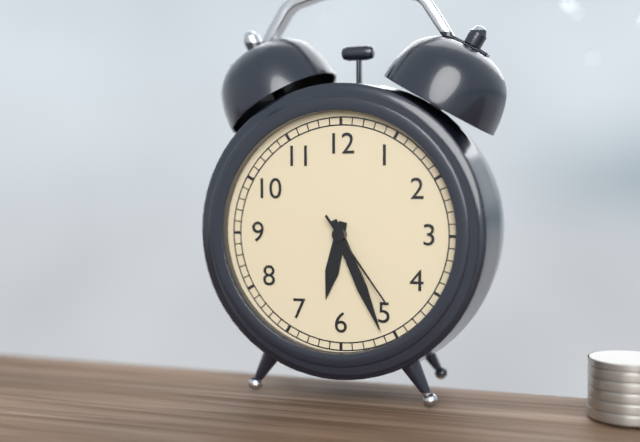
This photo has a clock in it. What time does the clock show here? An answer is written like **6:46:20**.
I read **6:26:24**
